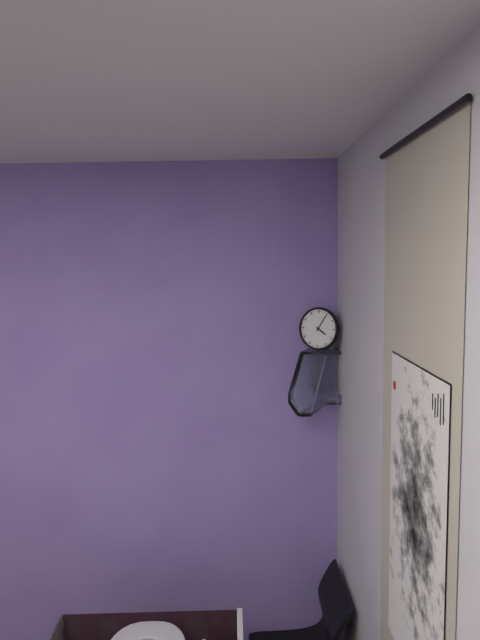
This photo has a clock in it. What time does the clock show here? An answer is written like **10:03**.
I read **4:05**
